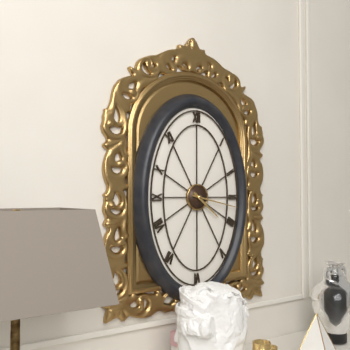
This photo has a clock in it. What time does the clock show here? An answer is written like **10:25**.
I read **4:17**
